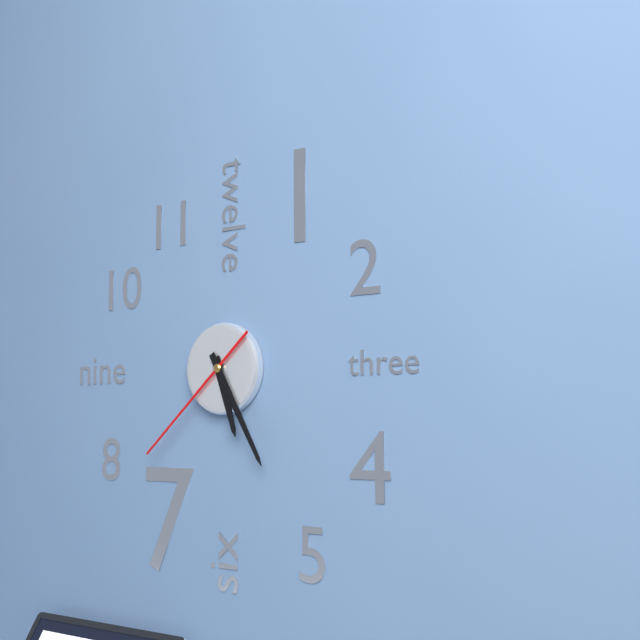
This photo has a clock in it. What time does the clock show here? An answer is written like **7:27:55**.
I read **5:25:38**
